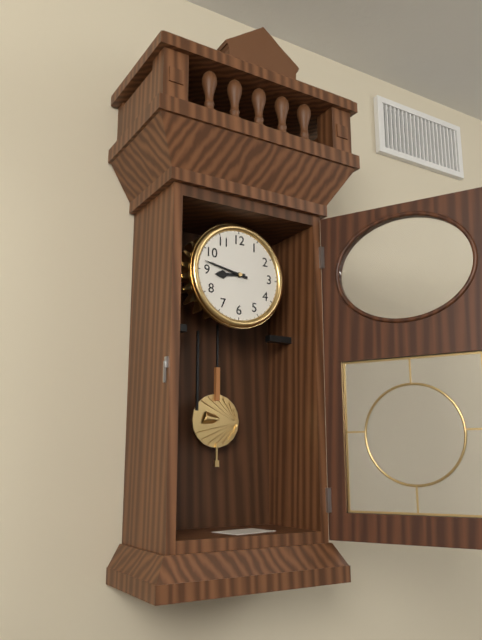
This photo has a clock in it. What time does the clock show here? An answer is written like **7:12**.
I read **8:47**
